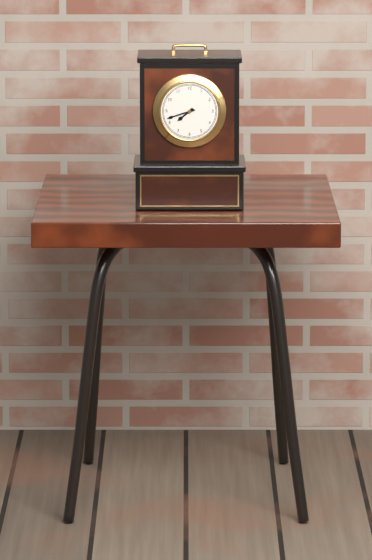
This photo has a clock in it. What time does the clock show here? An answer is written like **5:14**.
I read **7:42**
